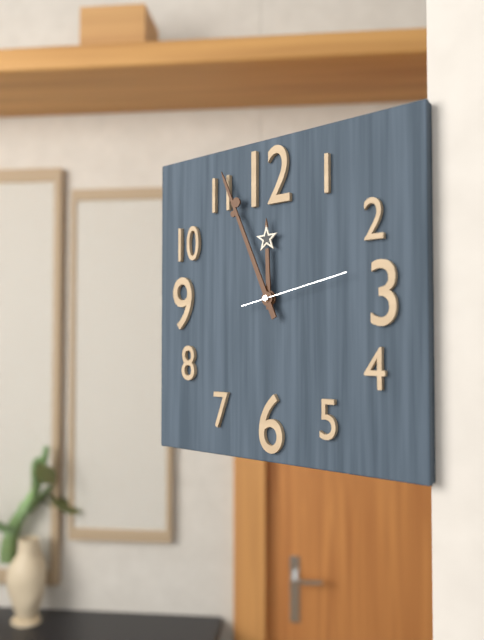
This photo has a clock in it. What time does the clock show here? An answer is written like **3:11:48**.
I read **11:56:13**
